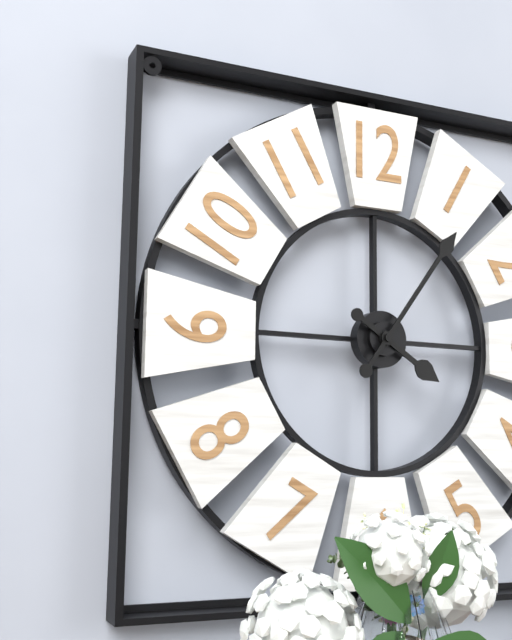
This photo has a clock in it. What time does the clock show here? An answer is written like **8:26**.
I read **4:06**
